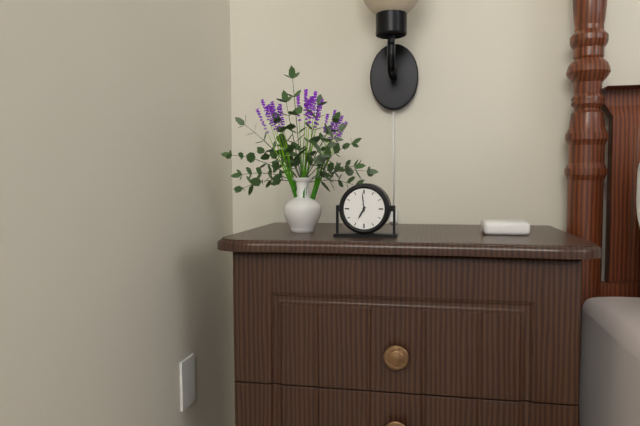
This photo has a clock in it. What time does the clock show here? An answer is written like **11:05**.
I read **6:59**
